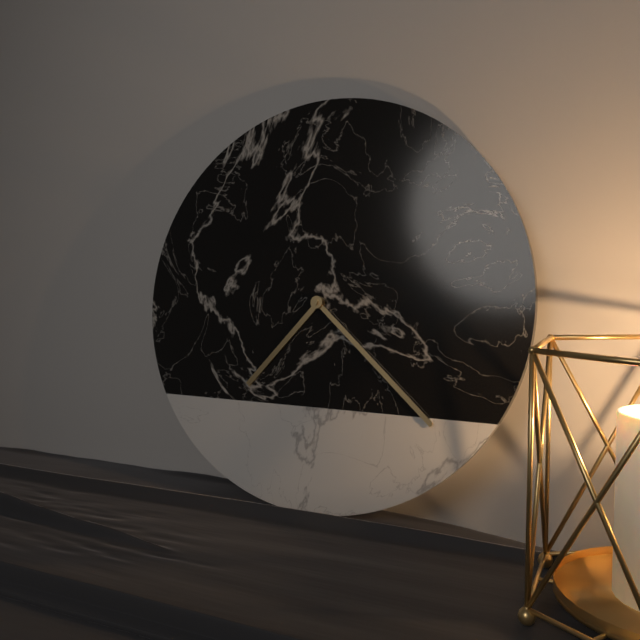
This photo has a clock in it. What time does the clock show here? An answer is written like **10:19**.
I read **7:22**
